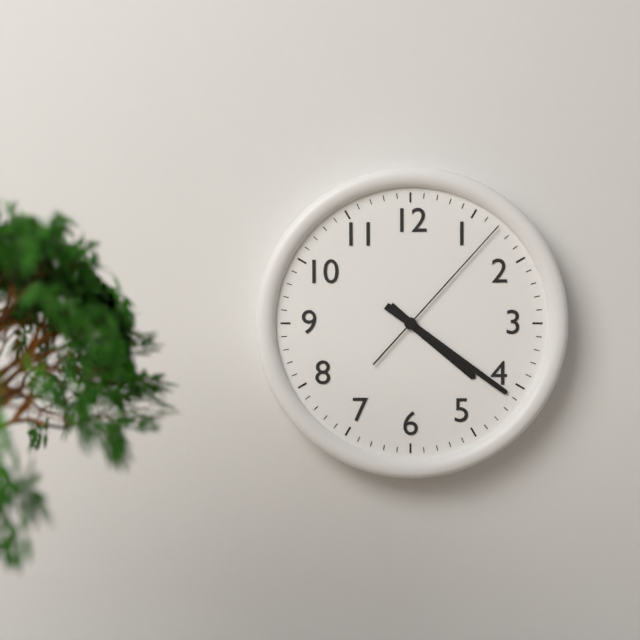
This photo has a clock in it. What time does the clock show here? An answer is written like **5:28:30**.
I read **4:21:07**
